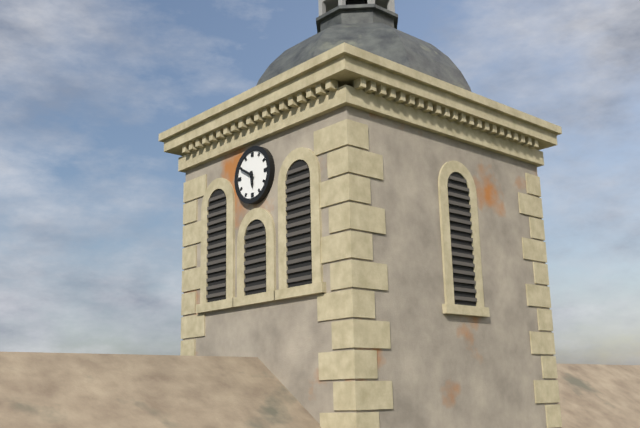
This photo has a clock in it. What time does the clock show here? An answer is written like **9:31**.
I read **5:50**
